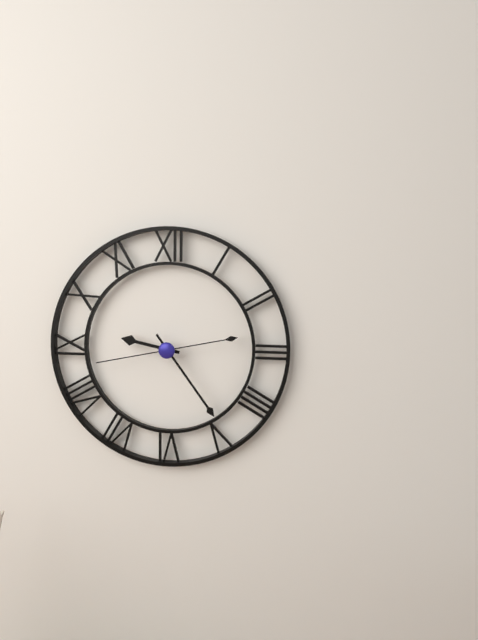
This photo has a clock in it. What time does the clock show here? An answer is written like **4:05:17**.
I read **9:24:43**
